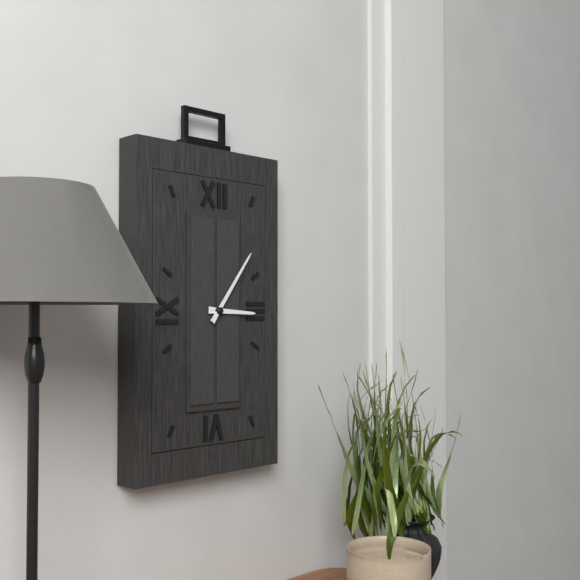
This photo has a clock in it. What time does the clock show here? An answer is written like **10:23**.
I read **3:06**
